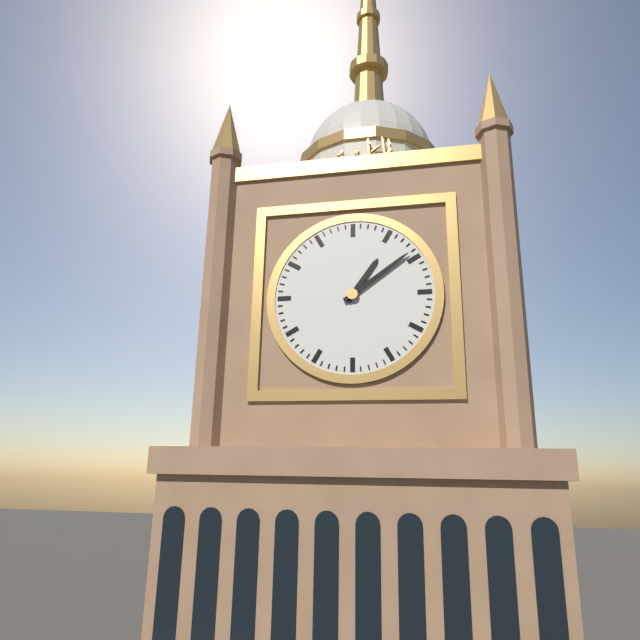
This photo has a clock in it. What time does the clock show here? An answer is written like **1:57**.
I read **1:09**
